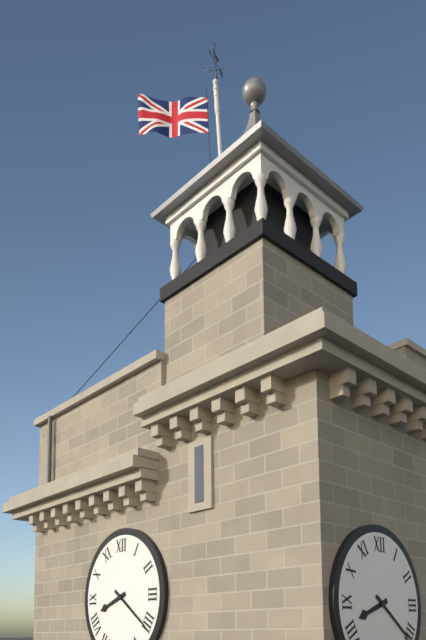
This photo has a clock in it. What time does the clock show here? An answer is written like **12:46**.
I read **8:21**
